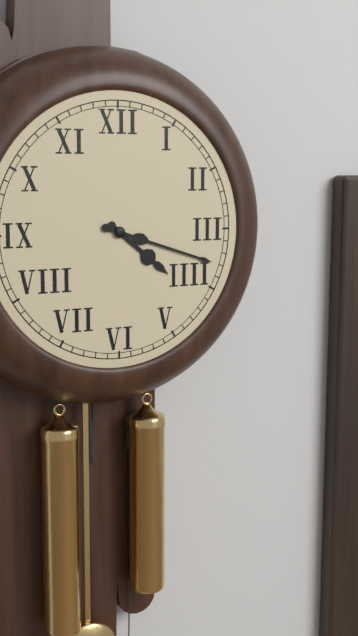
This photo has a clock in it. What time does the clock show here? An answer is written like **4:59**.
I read **4:18**
